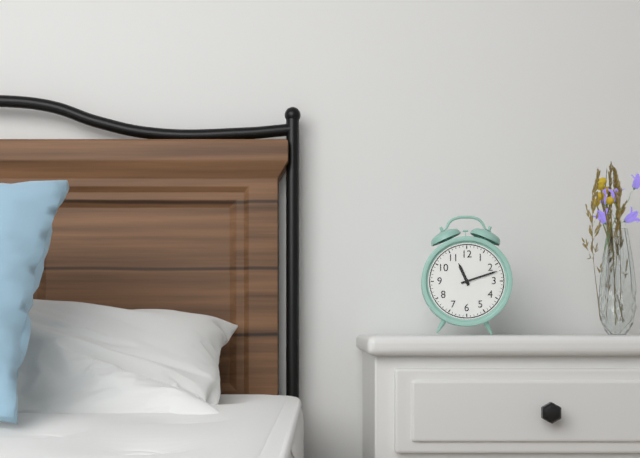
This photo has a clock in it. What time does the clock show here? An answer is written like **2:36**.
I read **11:12**
